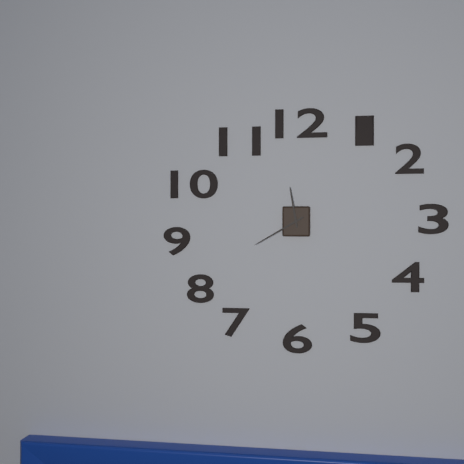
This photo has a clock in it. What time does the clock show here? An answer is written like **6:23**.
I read **11:40**
